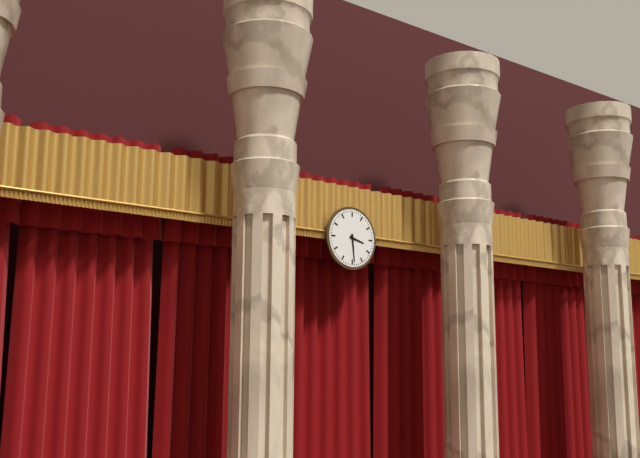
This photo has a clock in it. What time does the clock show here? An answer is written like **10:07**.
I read **3:29**
